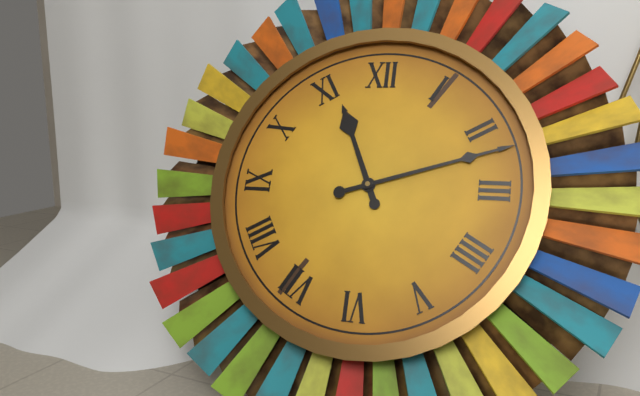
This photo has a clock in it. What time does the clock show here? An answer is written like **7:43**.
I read **11:12**
